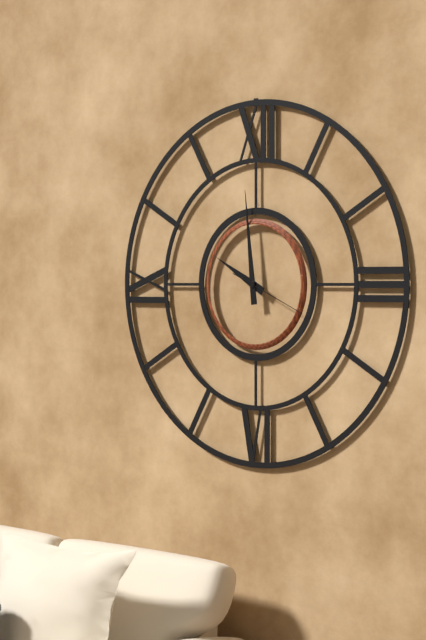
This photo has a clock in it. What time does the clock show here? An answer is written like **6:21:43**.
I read **9:59:19**
